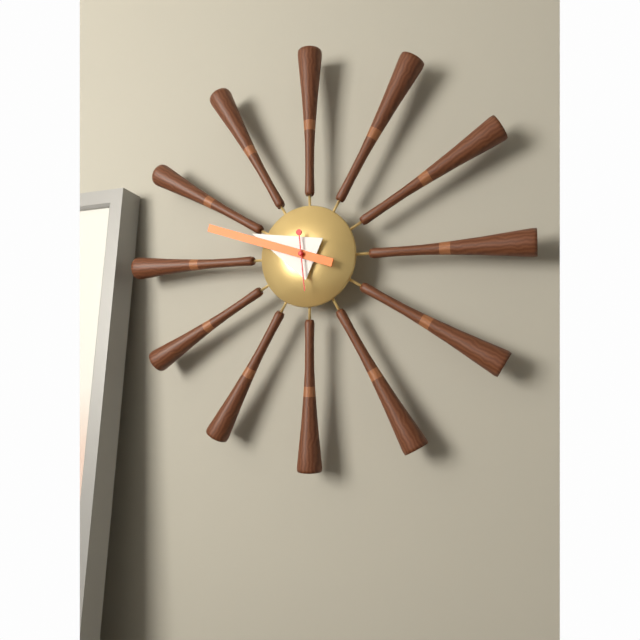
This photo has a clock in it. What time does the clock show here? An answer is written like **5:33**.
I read **9:48**
